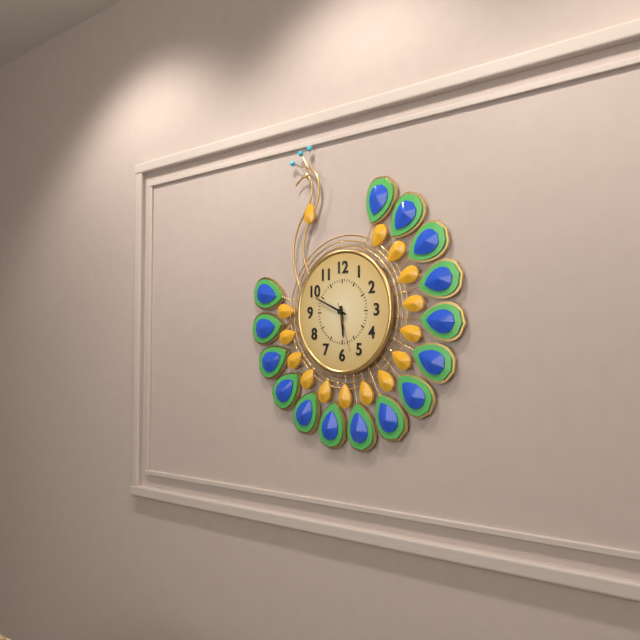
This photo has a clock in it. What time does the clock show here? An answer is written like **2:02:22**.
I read **5:49:27**
